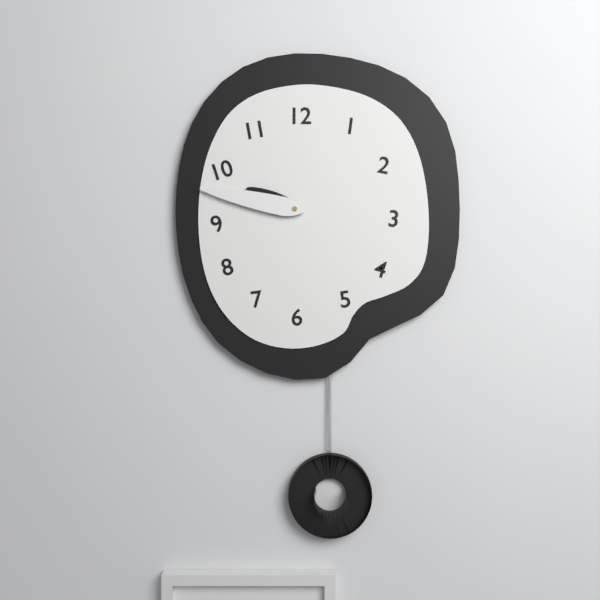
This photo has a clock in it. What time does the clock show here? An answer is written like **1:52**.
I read **9:47**
